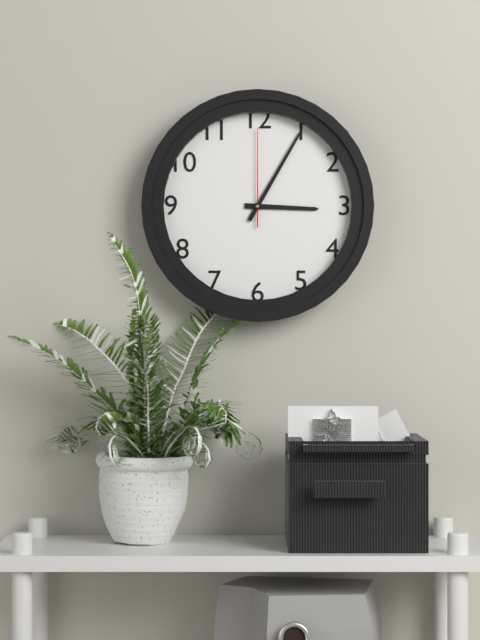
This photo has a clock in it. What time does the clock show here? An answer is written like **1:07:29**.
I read **3:05:00**
